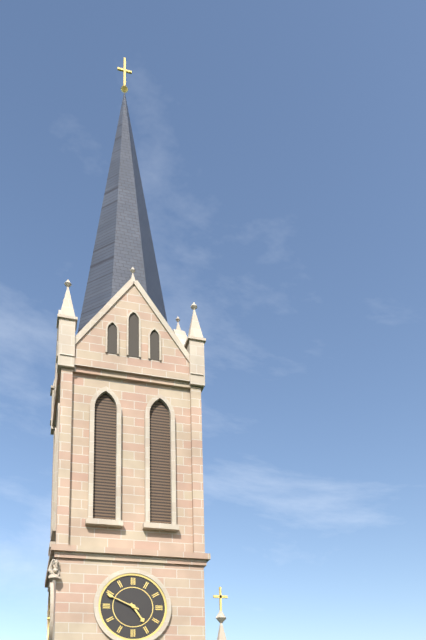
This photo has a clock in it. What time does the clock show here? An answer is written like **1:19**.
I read **4:49**
